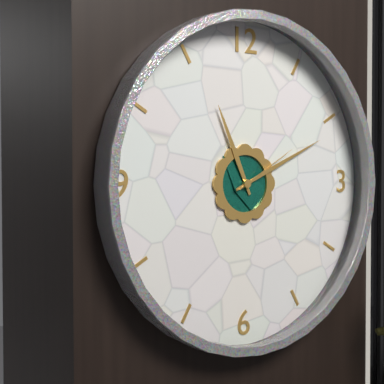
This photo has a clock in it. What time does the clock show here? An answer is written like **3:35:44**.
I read **11:11:10**
